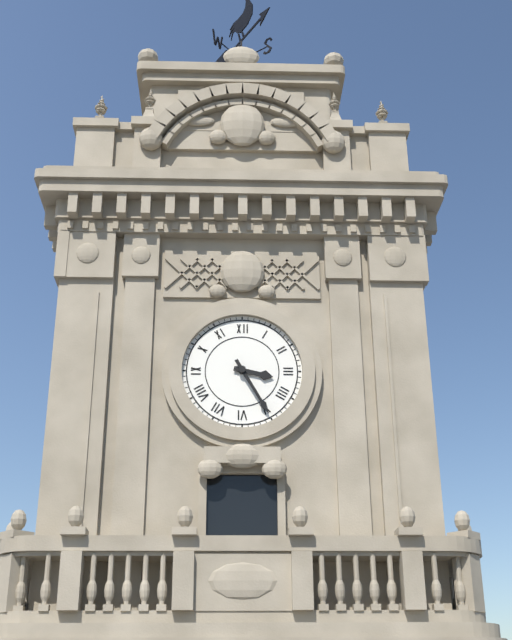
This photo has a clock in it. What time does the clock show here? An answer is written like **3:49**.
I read **3:25**
